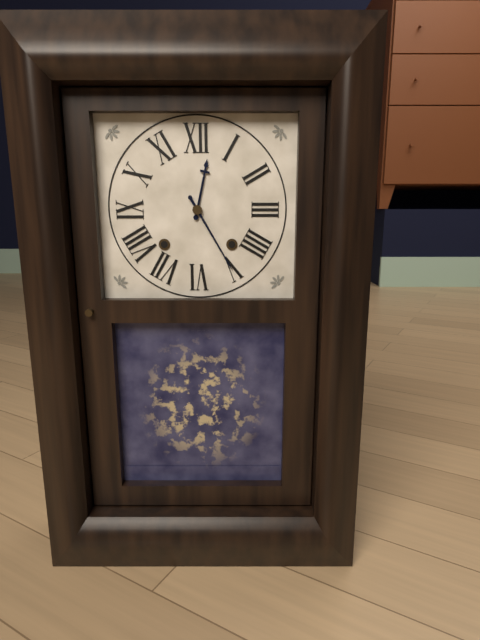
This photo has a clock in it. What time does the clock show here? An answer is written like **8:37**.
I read **12:25**
